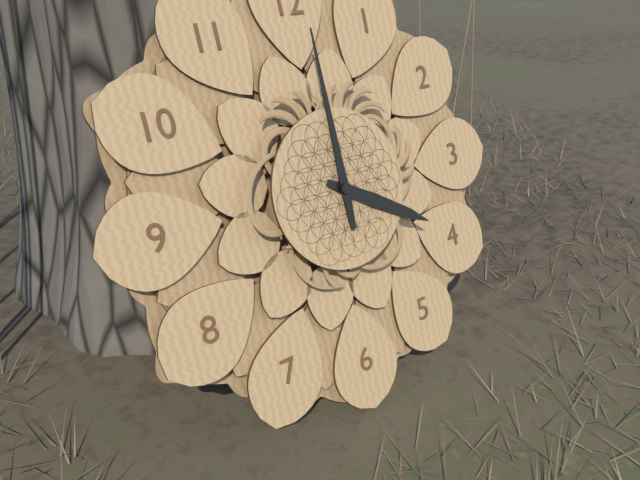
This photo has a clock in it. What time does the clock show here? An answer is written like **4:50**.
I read **4:00**
